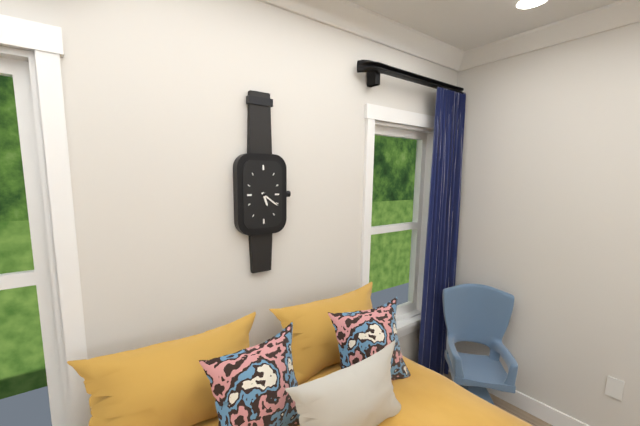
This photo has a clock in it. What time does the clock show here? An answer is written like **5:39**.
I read **5:21**
